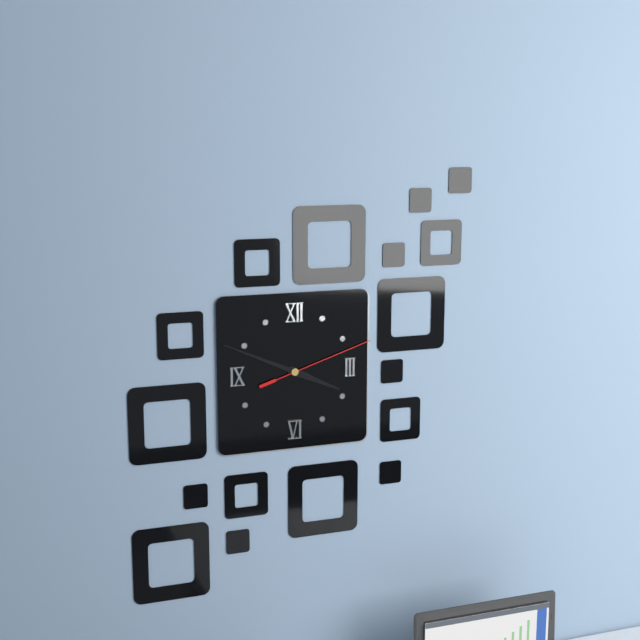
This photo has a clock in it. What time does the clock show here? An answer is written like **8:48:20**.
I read **3:49:12**
